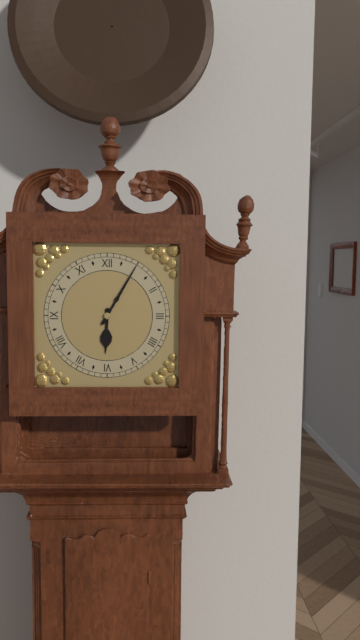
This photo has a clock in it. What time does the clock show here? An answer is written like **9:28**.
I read **6:05**
